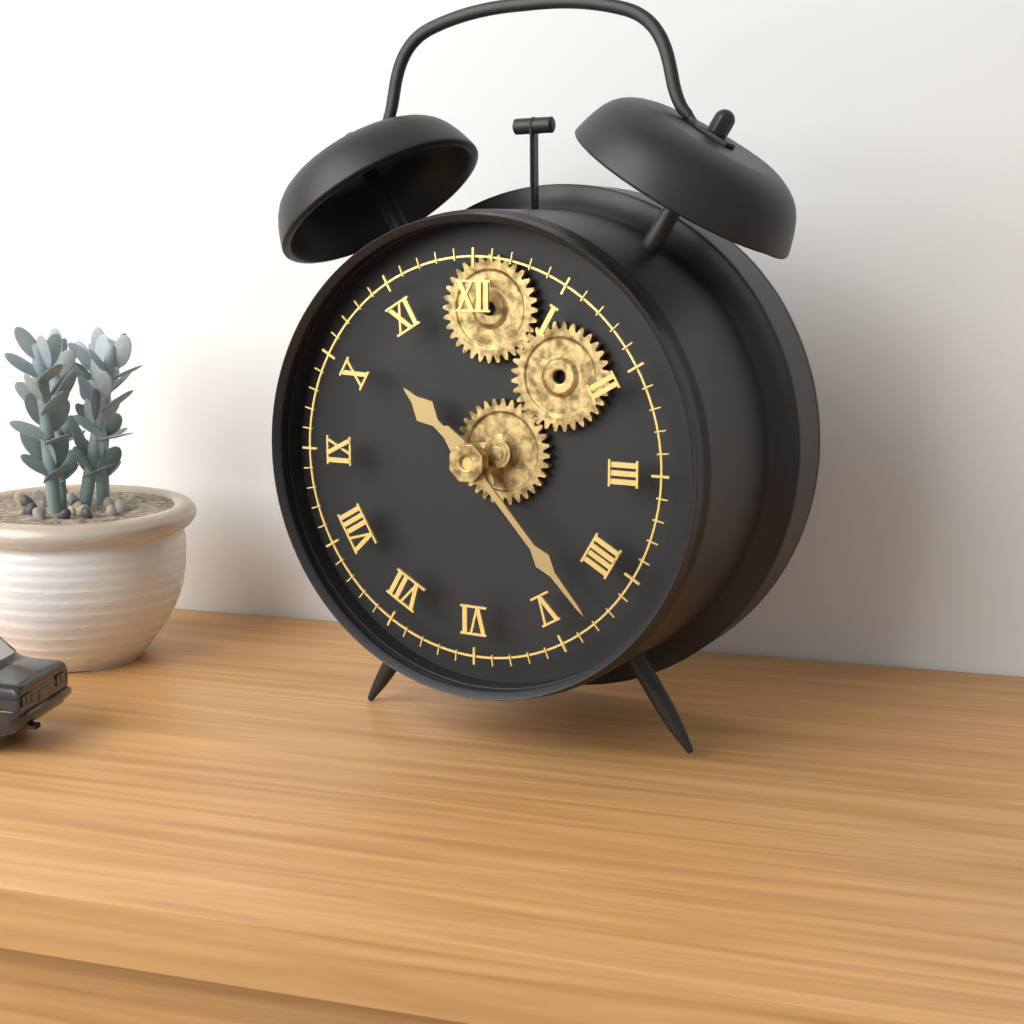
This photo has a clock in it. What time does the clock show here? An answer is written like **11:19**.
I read **10:23**
